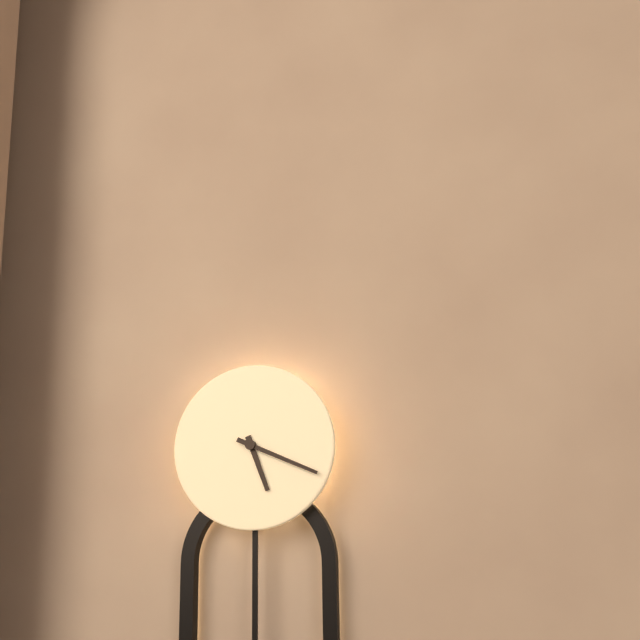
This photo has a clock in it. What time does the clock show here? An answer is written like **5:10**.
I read **5:19**
